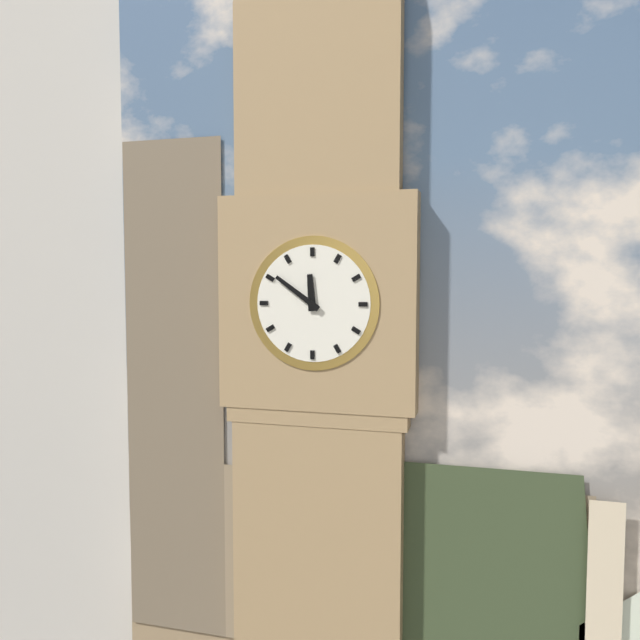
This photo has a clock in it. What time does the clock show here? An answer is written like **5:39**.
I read **11:51**
